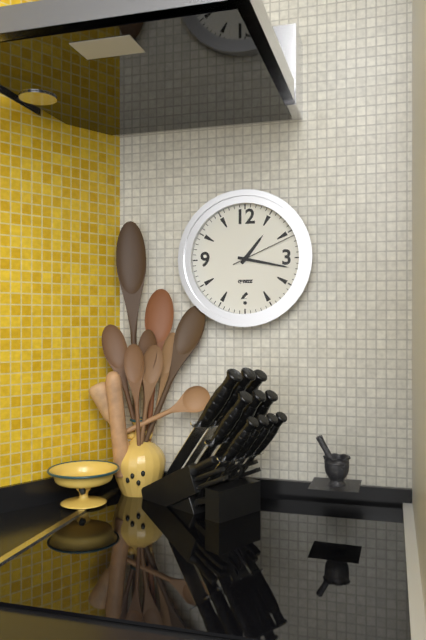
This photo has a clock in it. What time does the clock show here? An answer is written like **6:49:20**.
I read **1:17:11**
